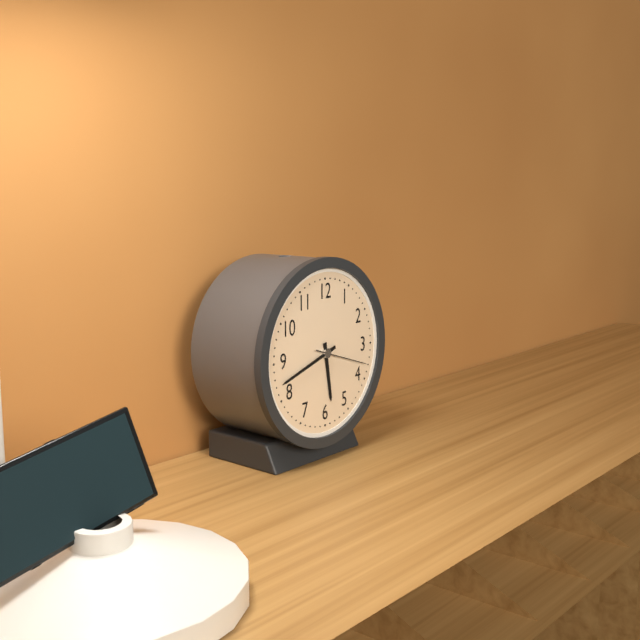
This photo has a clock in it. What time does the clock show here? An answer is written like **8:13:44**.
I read **5:42:18**
